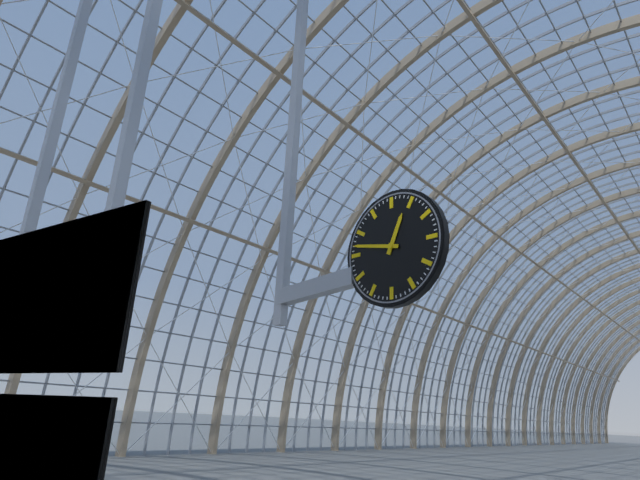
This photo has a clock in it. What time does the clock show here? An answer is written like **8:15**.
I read **12:47**
